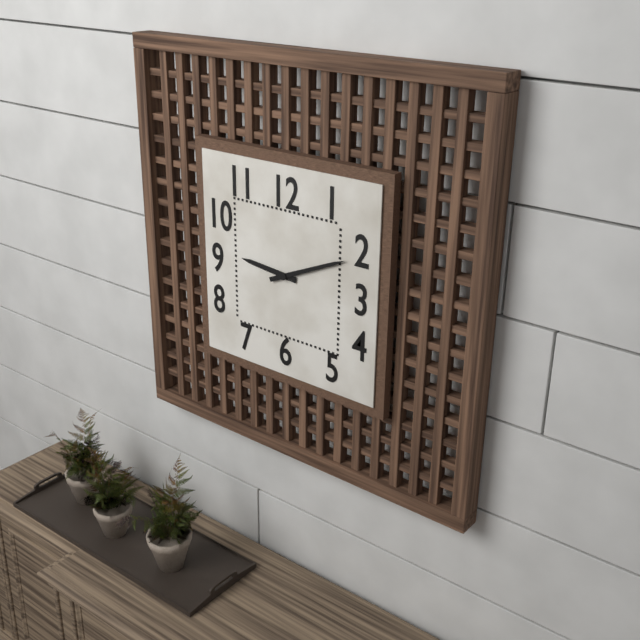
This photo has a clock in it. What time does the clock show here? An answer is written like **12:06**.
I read **9:11**
